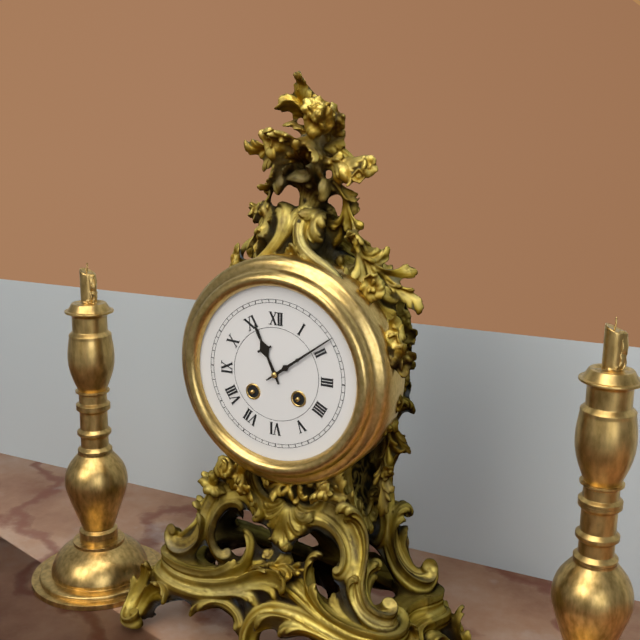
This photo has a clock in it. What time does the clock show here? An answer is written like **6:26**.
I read **11:09**
